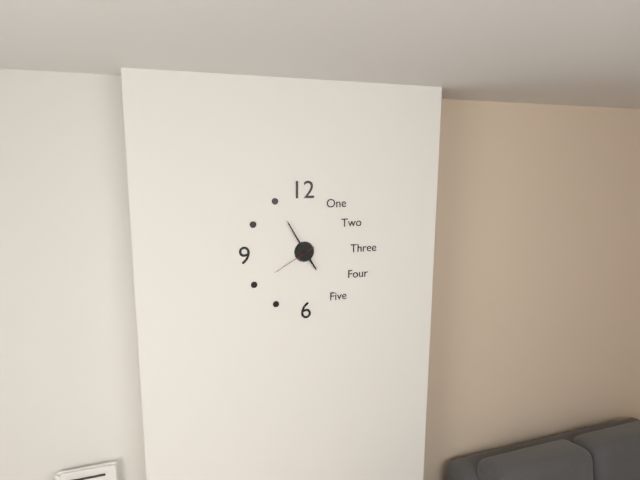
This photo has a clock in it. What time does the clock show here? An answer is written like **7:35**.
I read **4:55**
